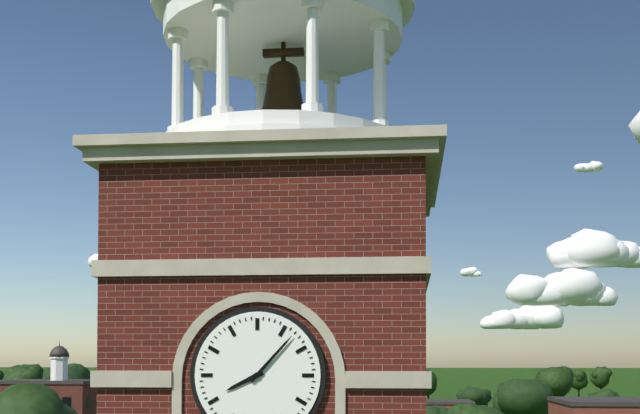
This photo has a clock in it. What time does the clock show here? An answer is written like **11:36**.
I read **8:07**
